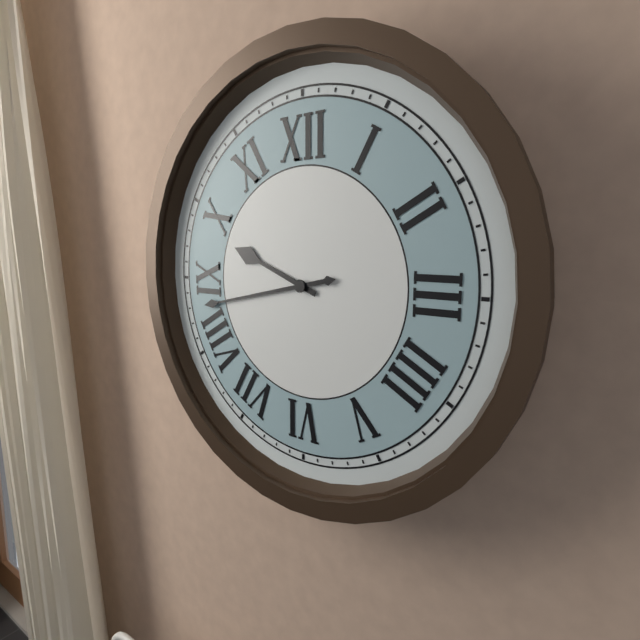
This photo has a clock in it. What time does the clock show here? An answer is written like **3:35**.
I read **9:43**
